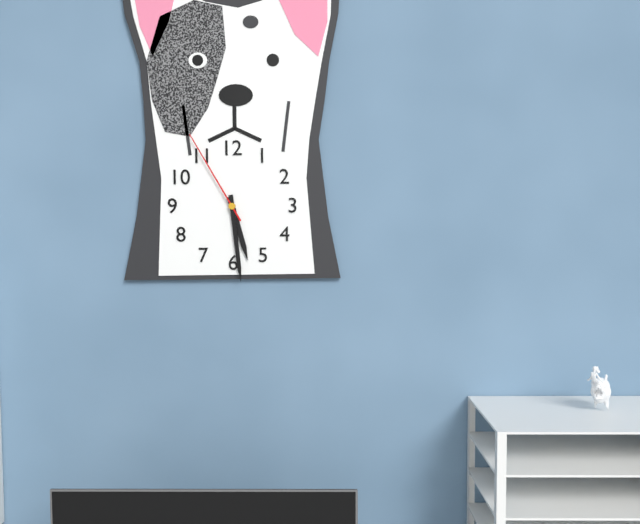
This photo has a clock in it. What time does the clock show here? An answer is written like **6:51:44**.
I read **5:29:55**
